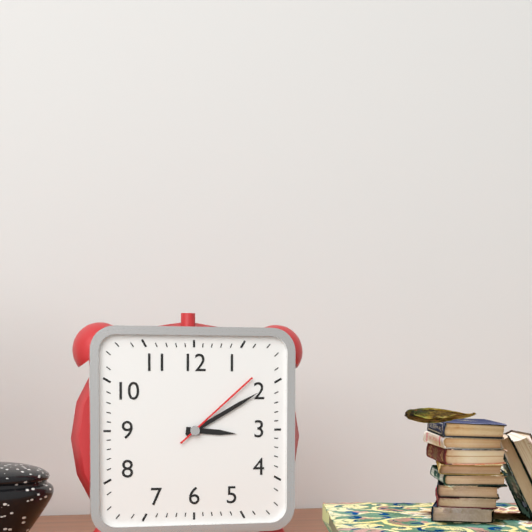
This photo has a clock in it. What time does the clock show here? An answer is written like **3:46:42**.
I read **3:10:08**
